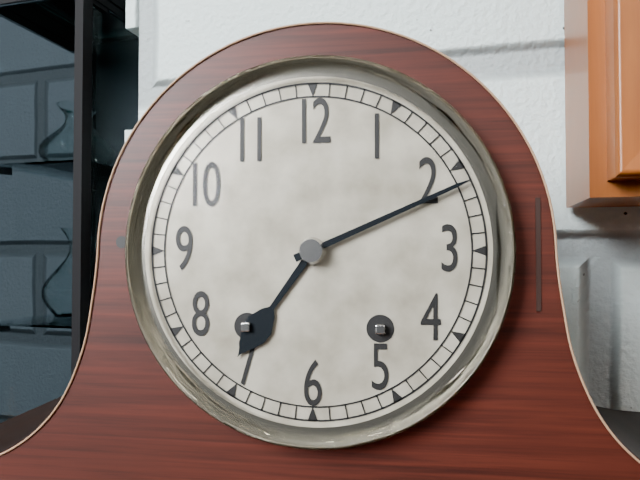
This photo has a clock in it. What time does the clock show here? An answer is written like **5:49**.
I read **7:11**
